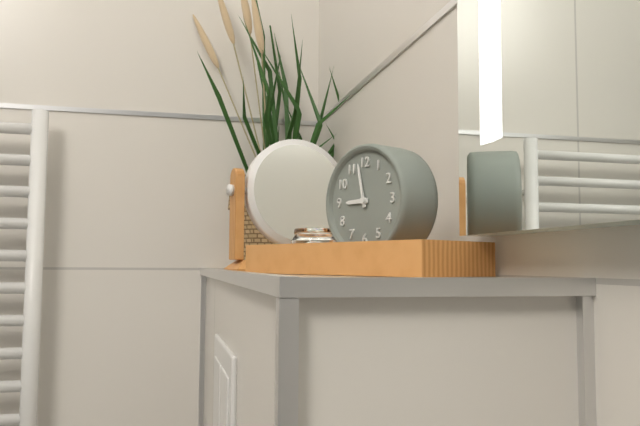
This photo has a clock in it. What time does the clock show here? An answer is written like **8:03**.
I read **8:58**
